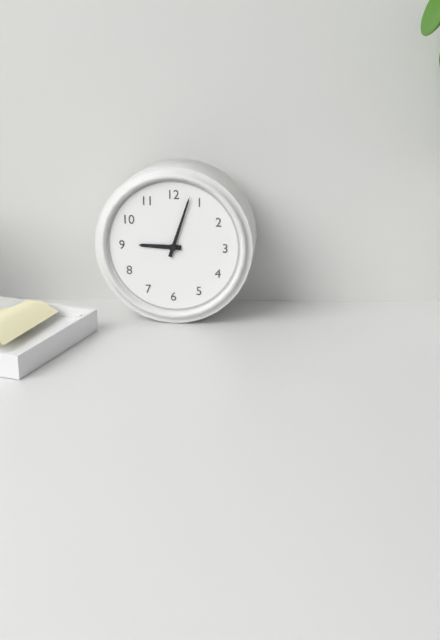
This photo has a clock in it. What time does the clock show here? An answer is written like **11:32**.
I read **9:03**
